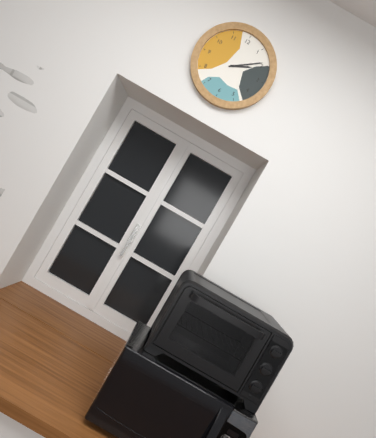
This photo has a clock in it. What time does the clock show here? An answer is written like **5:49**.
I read **2:09**
